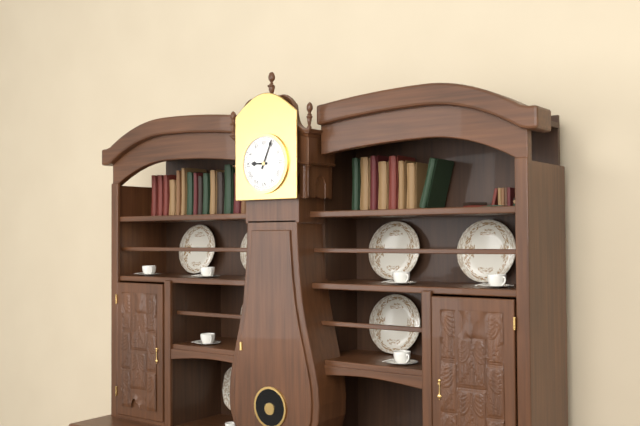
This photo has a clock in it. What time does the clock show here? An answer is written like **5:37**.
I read **9:04**
